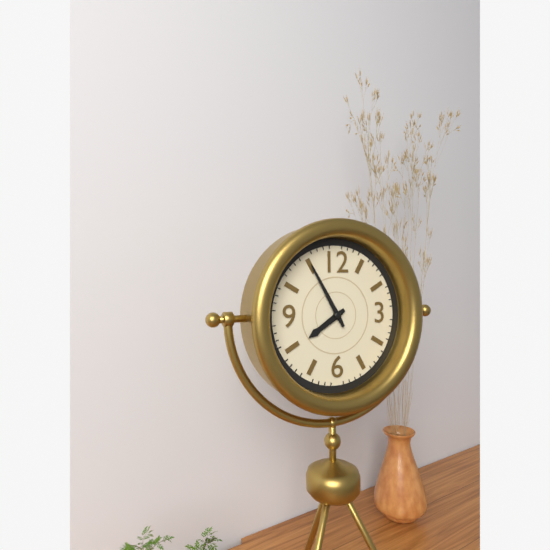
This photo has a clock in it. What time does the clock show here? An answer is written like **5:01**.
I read **7:55**
